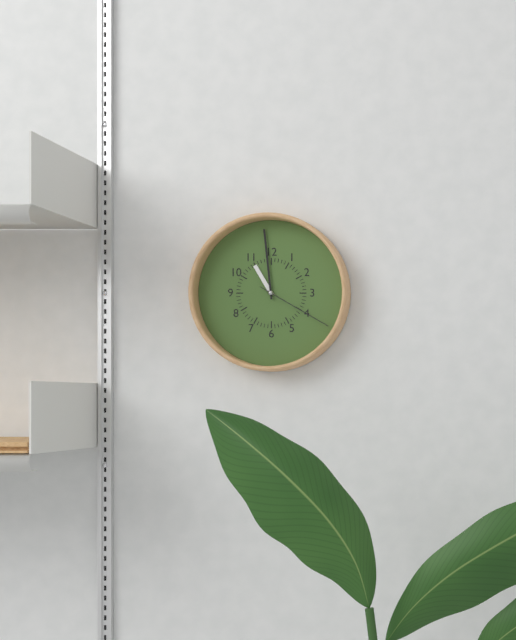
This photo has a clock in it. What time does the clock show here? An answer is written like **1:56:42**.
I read **10:59:20**
